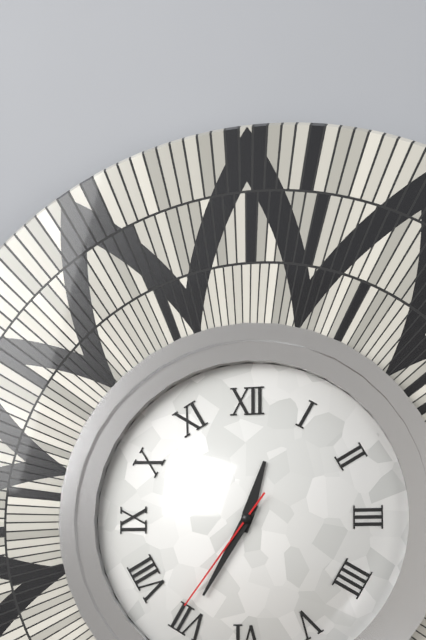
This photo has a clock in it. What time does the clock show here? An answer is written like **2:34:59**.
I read **12:35:36**
